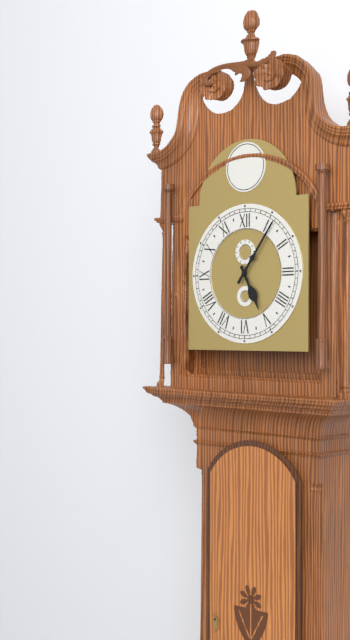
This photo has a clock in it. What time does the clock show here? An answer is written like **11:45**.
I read **5:06**
